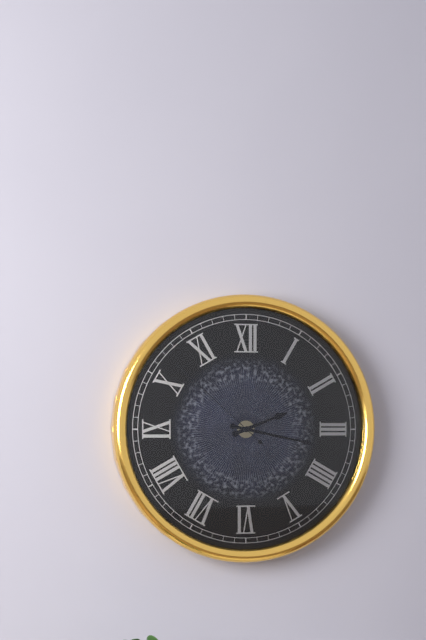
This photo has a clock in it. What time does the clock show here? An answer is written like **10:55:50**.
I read **2:17:52**
